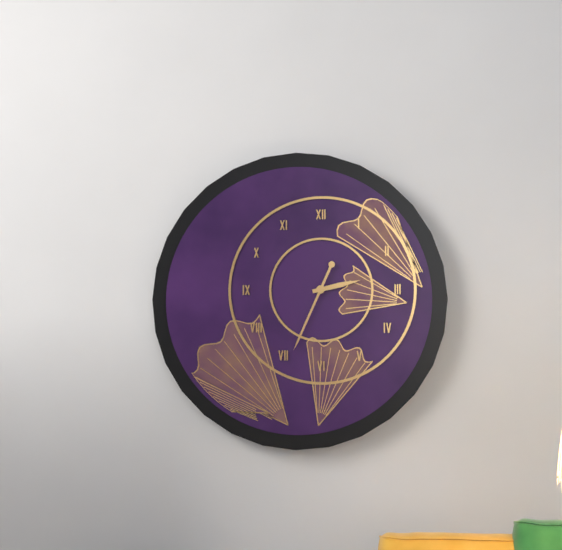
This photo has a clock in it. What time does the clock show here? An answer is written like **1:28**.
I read **2:34**
